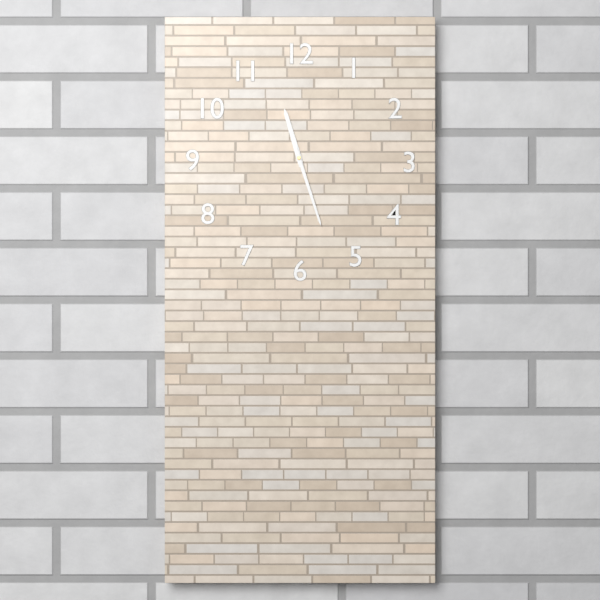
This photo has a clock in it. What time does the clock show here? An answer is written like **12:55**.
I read **11:27**
